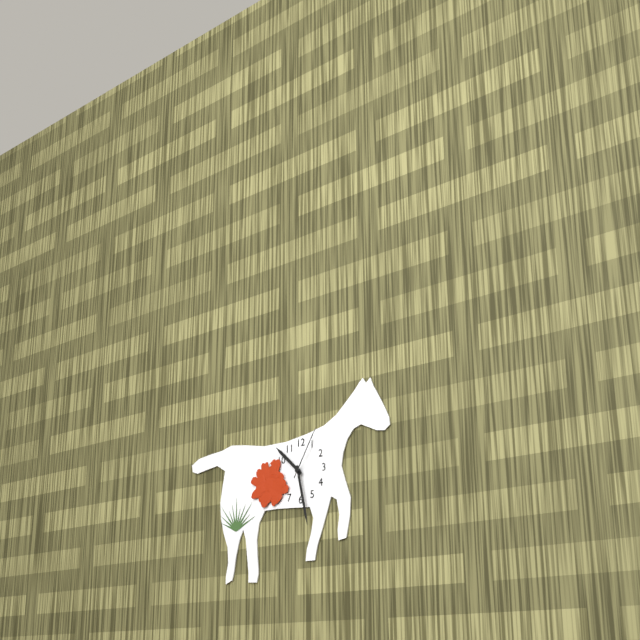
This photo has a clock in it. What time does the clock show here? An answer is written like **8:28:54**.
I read **10:28:05**
